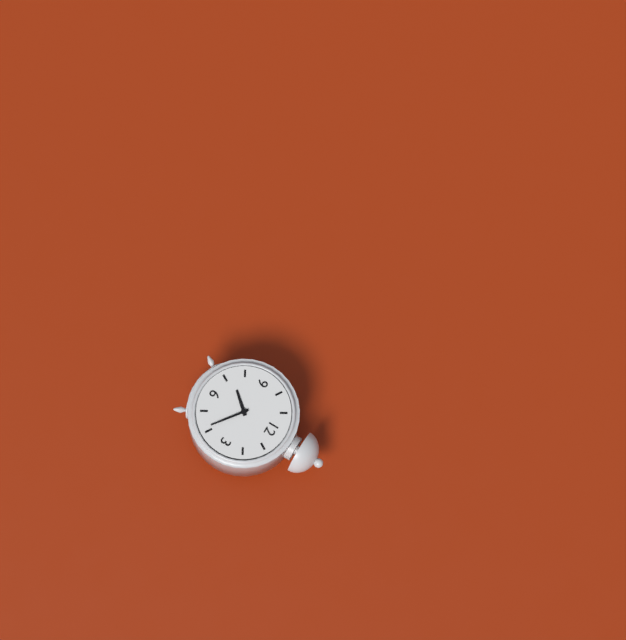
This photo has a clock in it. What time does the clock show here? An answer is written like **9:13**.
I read **7:21**
